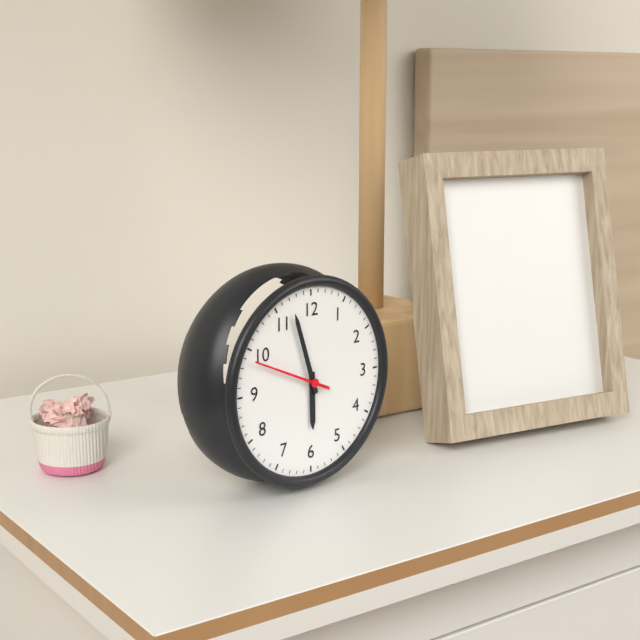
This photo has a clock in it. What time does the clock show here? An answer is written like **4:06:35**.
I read **5:57:49**
